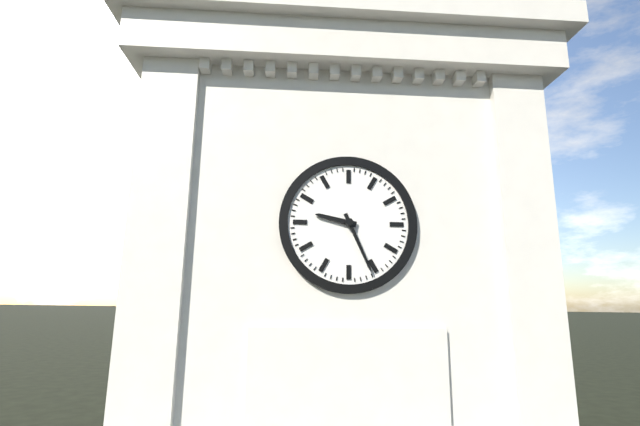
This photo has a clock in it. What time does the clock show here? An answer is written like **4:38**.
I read **9:26**
